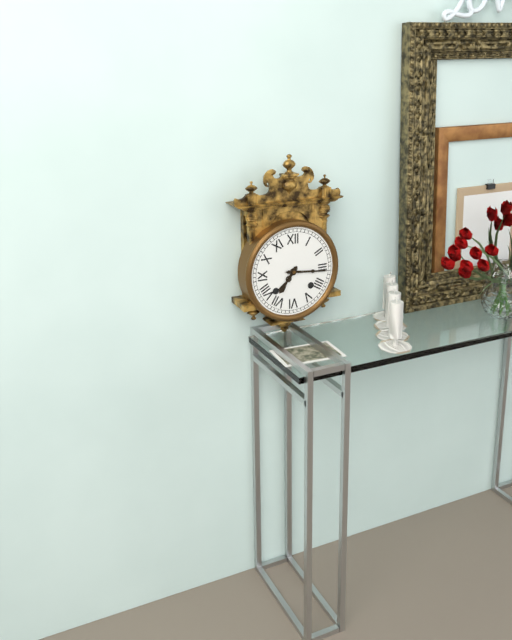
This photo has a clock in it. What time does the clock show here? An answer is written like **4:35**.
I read **7:16**
